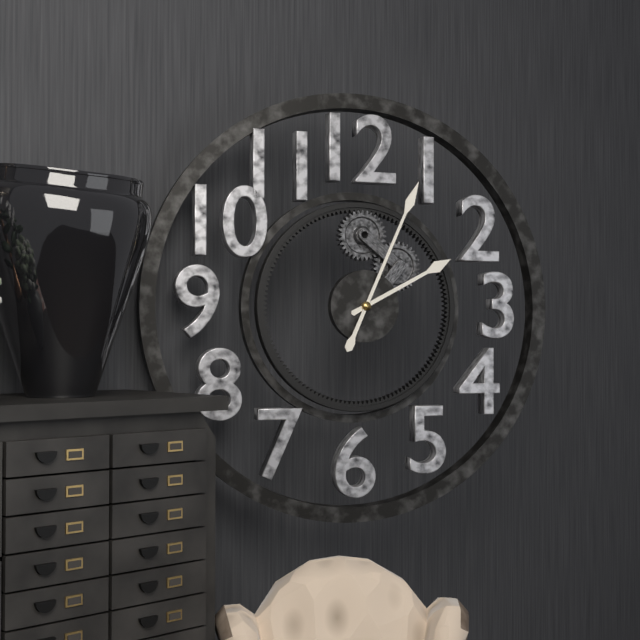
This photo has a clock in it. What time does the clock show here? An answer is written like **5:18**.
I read **2:04**
